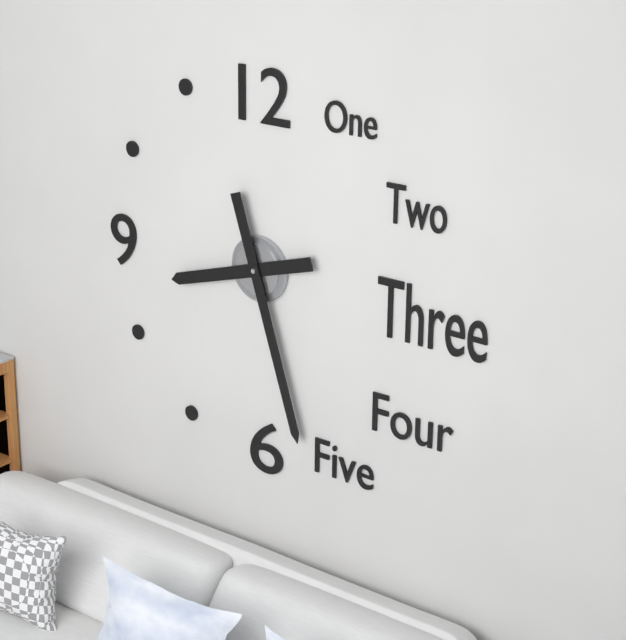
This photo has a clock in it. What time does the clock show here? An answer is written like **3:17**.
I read **8:27**
